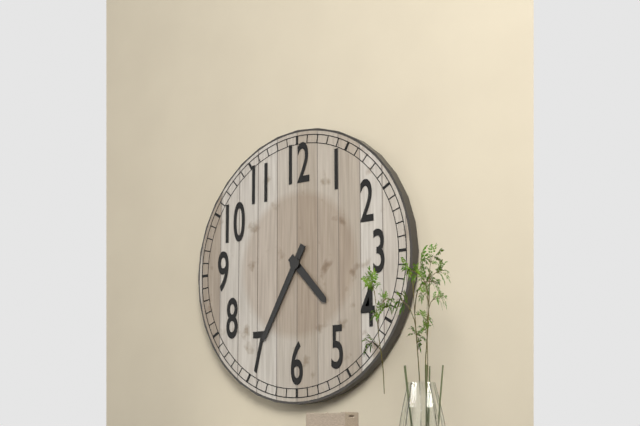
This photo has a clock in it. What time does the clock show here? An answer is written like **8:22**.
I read **4:35**
